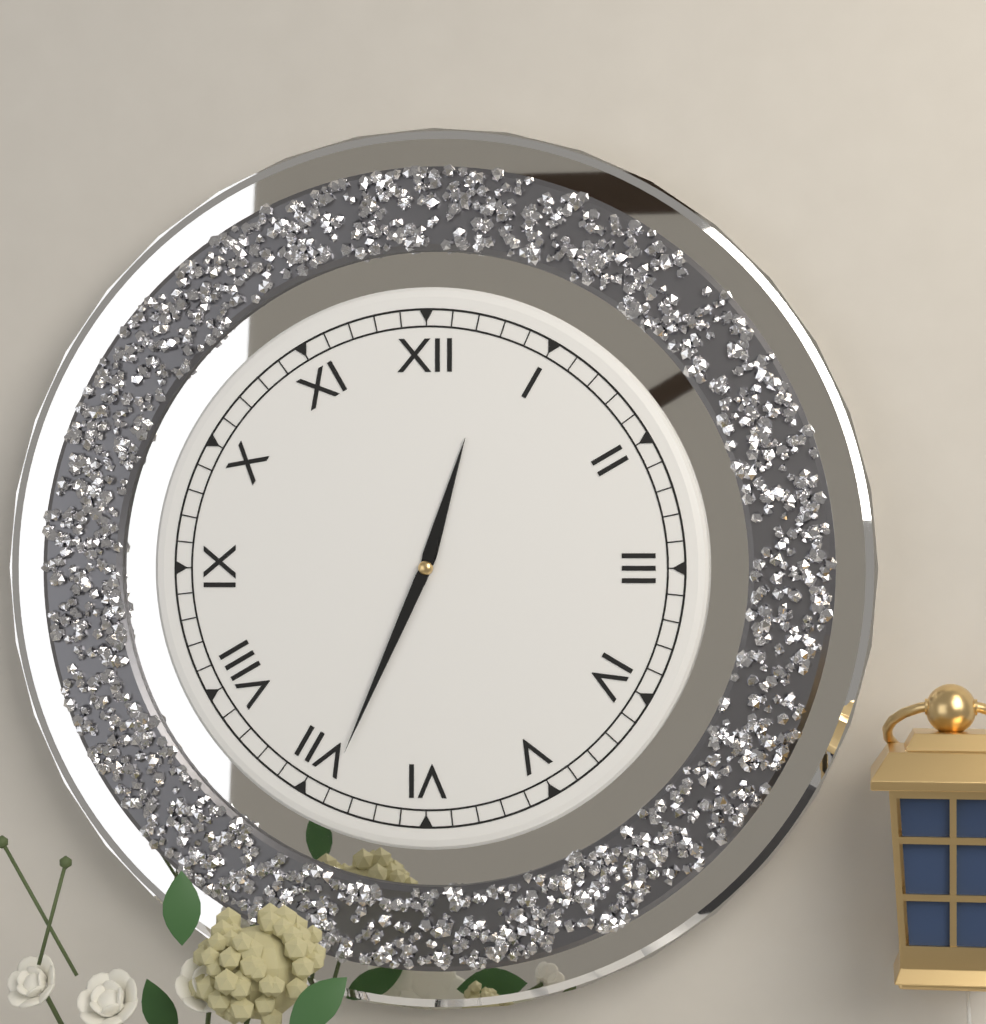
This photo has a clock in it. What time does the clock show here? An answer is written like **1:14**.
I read **12:34**
